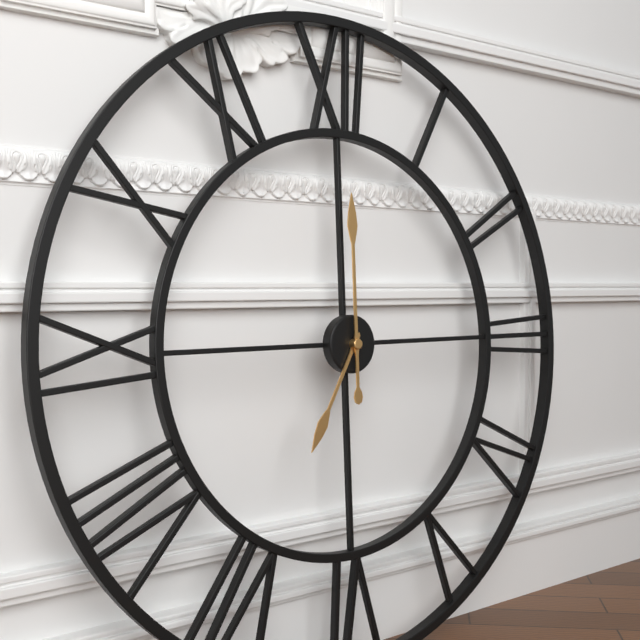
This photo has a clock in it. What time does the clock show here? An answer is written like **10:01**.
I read **7:00**
